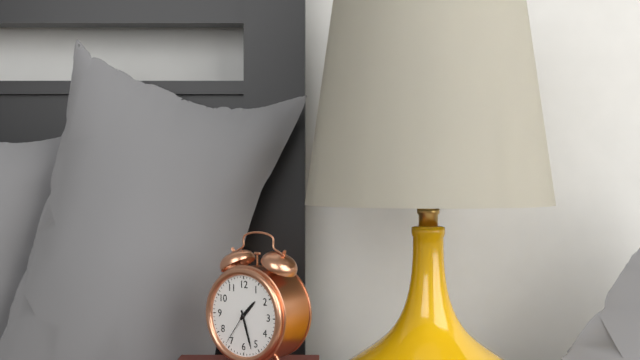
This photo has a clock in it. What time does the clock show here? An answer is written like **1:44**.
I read **1:27**
